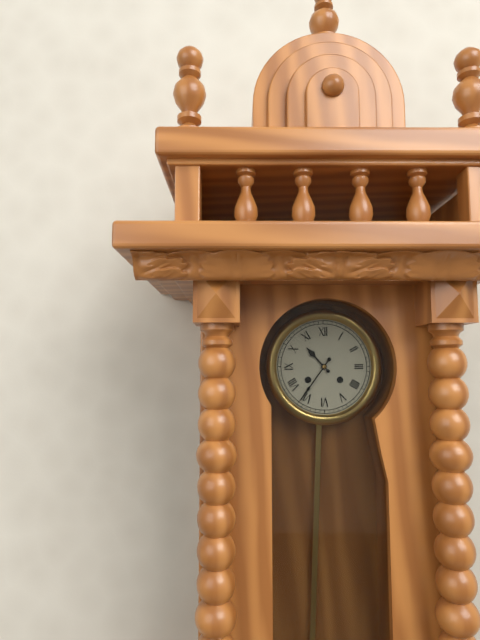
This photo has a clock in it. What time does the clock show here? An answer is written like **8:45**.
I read **10:36**
